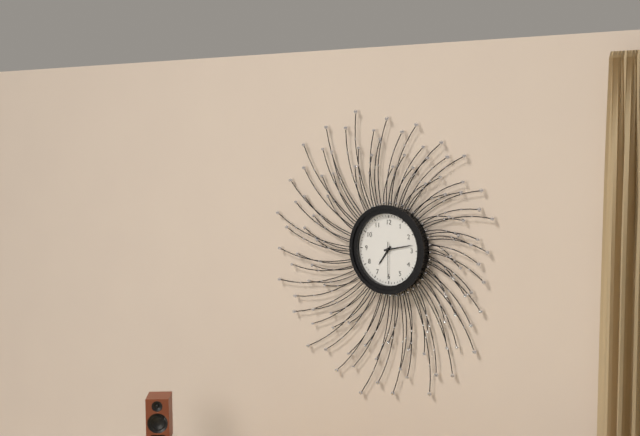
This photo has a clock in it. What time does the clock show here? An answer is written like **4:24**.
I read **7:13**
